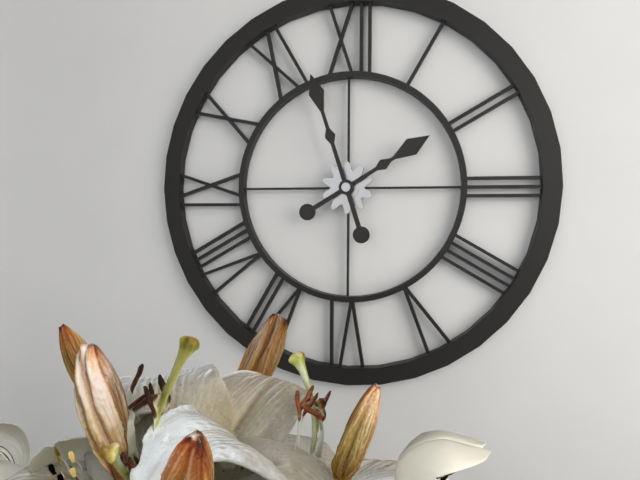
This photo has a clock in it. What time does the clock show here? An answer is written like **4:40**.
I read **1:57**
